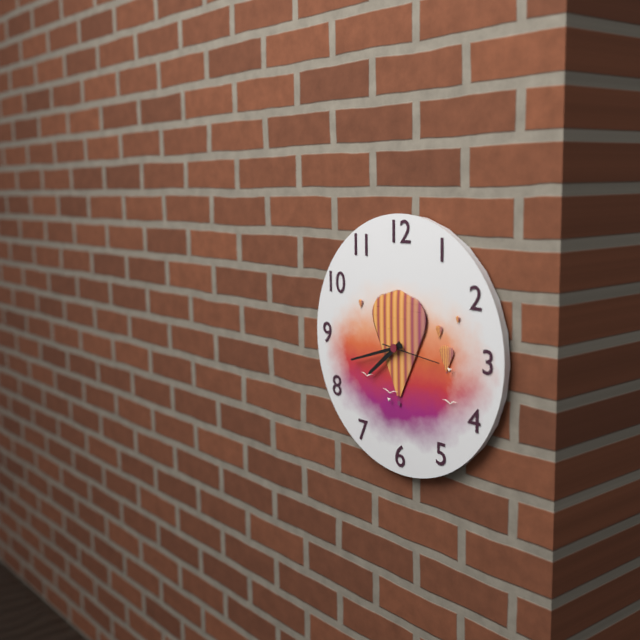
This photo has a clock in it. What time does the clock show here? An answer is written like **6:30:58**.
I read **7:42:16**
